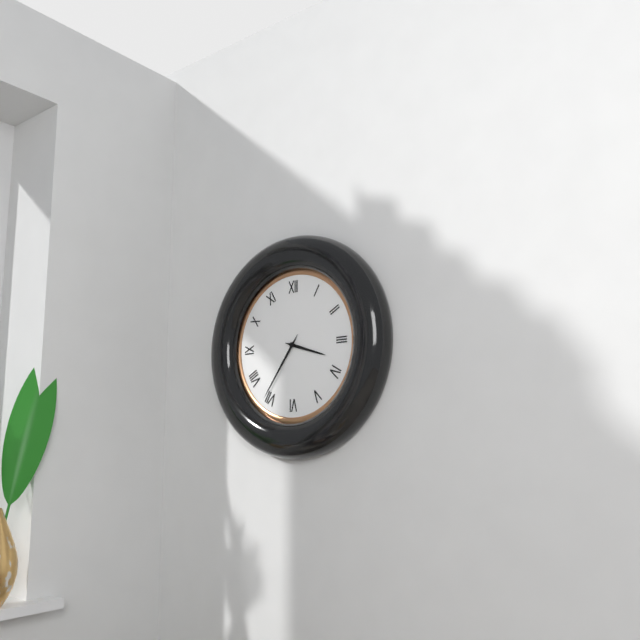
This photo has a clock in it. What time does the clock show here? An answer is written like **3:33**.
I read **3:36**
